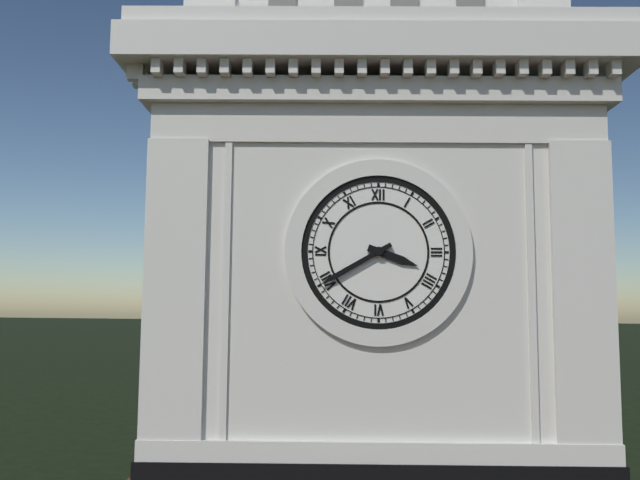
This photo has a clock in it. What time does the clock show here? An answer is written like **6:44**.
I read **3:40**
